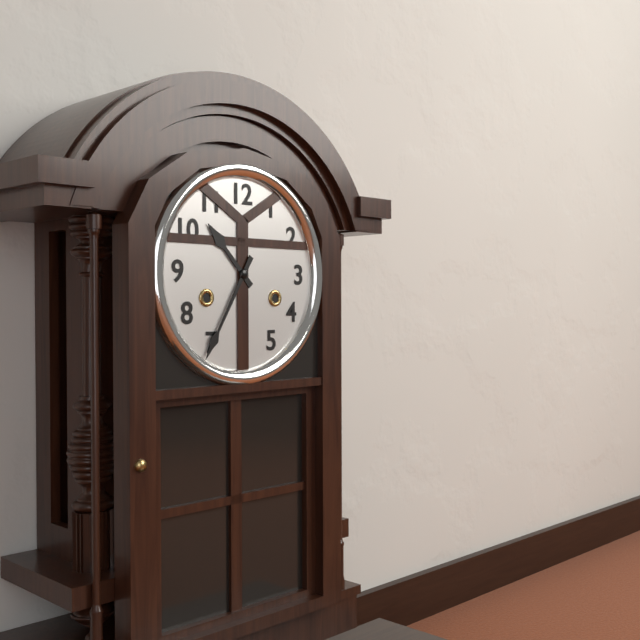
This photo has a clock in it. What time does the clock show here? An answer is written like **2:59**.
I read **10:35**
